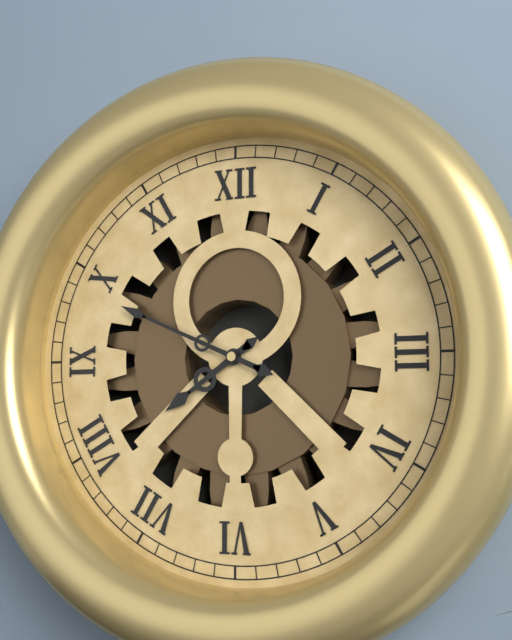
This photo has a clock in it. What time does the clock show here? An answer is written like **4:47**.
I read **7:49**
